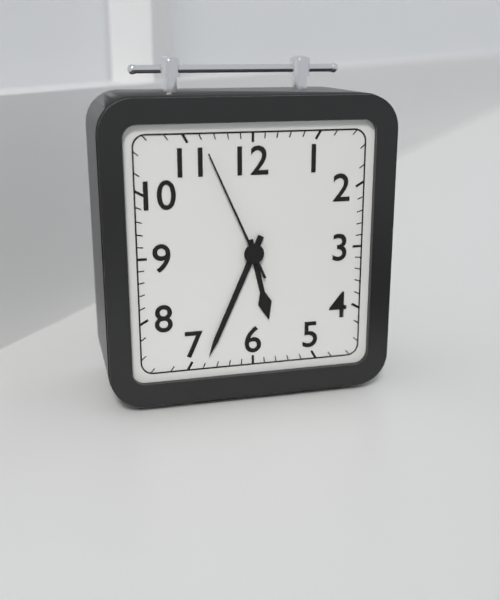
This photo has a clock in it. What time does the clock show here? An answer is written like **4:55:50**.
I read **5:34:56**
